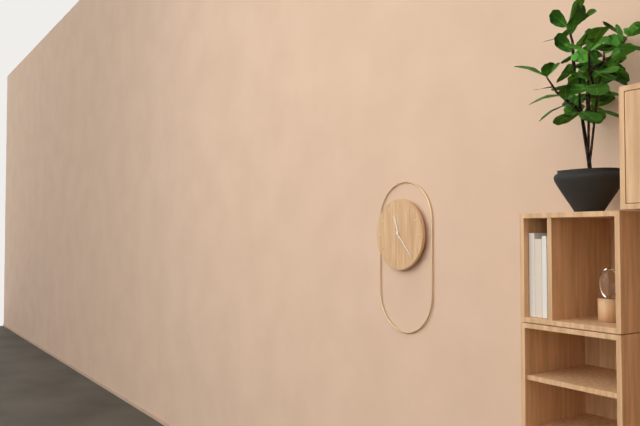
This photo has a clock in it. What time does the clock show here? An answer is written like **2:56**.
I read **11:23**
